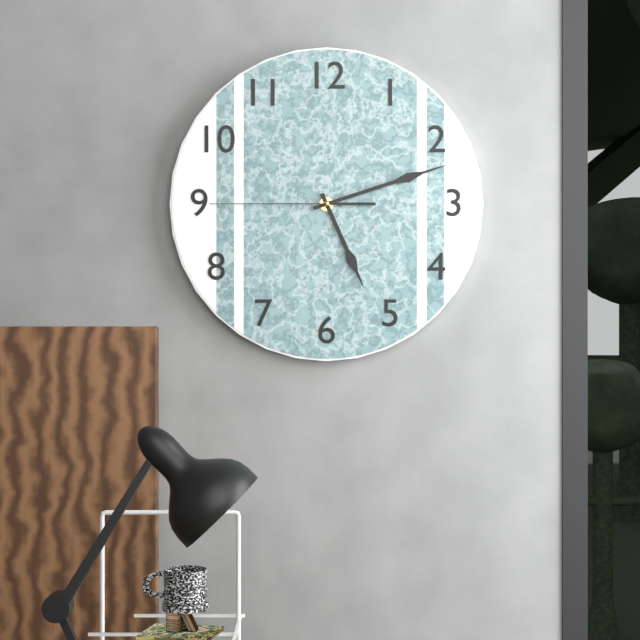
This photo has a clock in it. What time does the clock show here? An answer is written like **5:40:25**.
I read **5:12:45**
